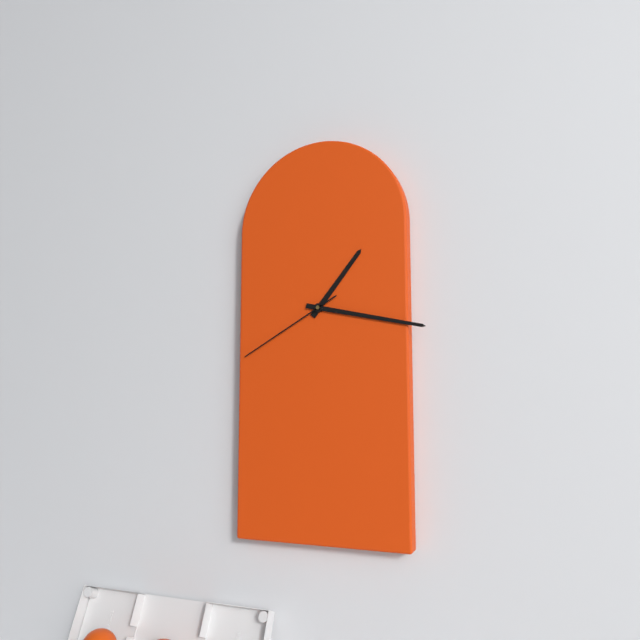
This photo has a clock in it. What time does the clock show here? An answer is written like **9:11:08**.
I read **1:17:40**
